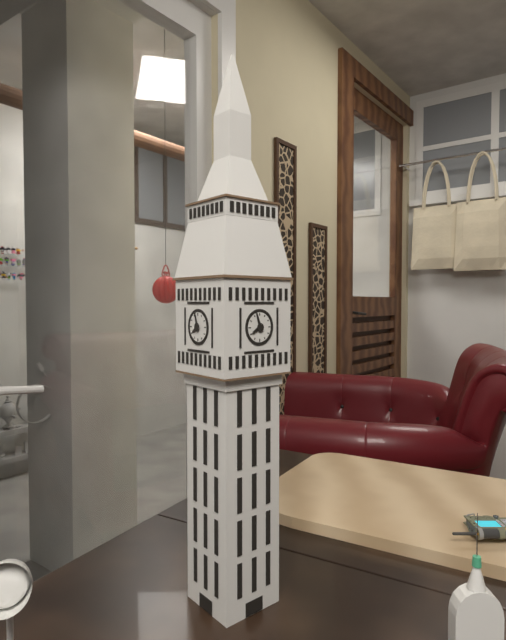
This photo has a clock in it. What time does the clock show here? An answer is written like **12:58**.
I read **7:57**
